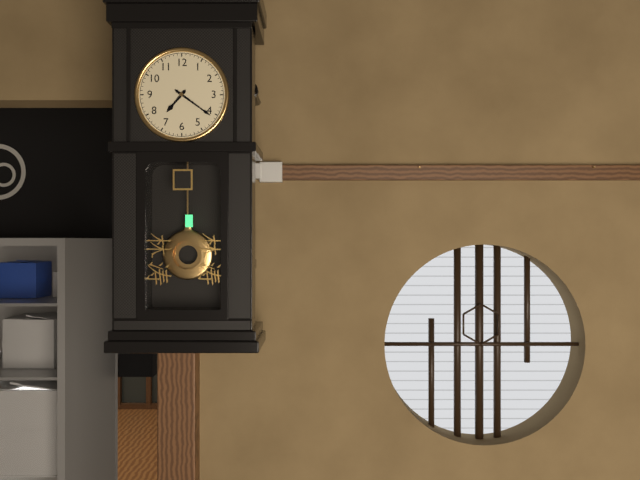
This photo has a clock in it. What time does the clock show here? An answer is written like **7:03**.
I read **7:21**
